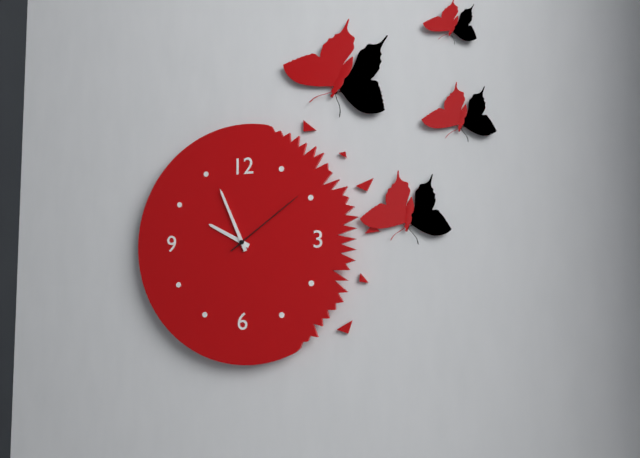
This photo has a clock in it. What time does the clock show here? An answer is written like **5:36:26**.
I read **9:56:09**
